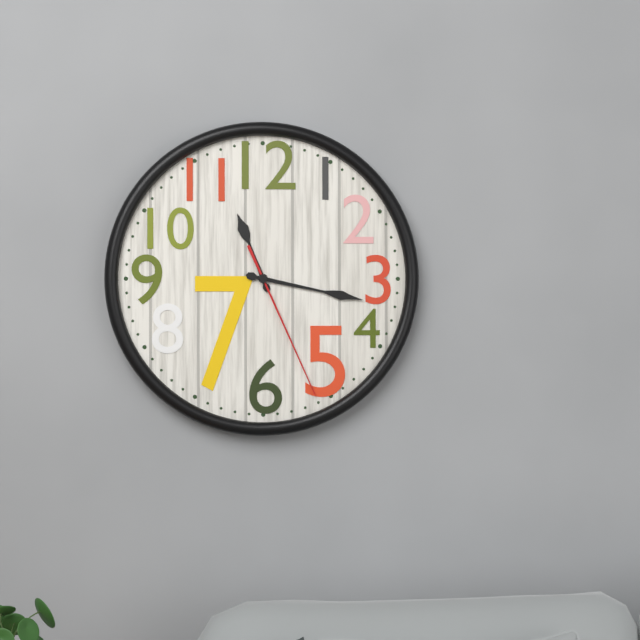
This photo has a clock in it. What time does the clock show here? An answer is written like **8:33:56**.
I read **11:17:26**
